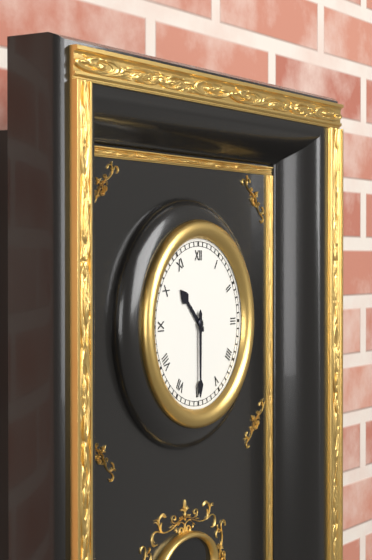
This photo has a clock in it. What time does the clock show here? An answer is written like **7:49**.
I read **10:30**
